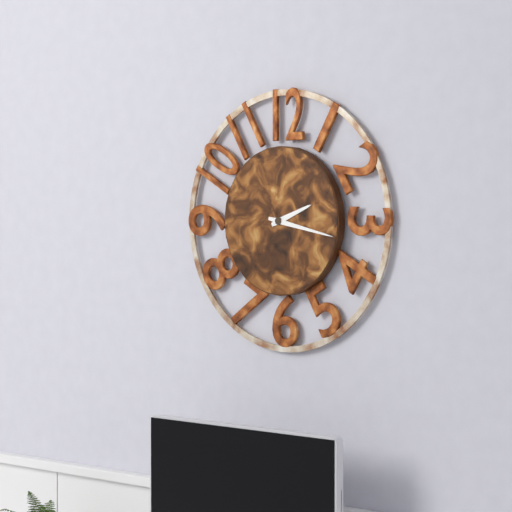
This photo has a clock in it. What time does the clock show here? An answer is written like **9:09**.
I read **2:17**
